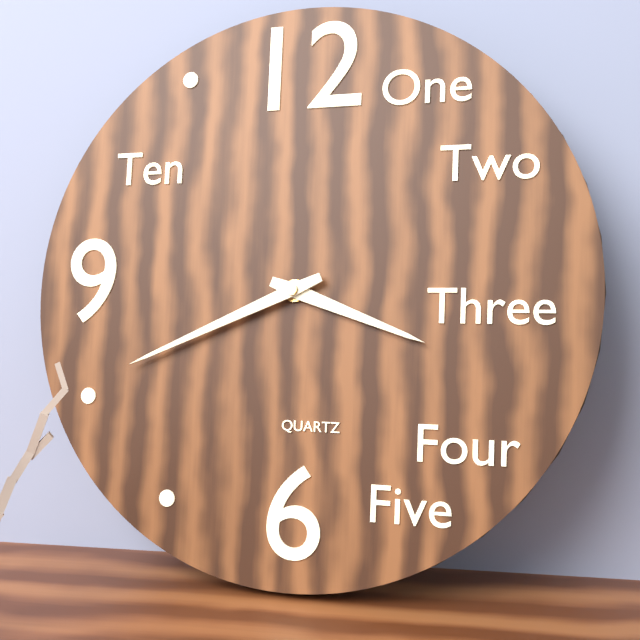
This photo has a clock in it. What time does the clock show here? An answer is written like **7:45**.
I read **3:41**
